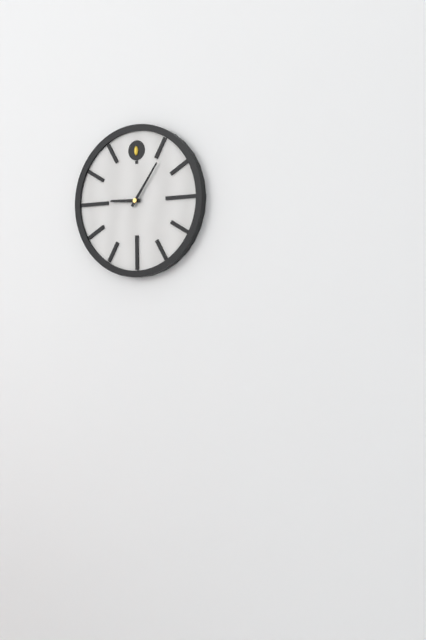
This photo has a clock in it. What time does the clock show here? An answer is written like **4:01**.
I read **9:06**
